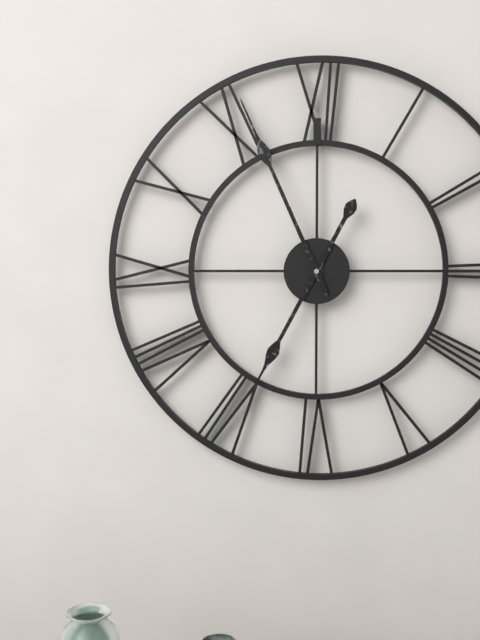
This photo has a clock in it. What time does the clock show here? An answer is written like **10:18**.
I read **6:56**
